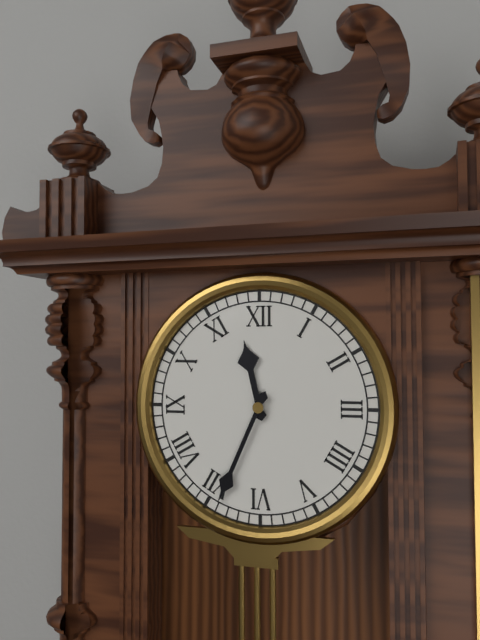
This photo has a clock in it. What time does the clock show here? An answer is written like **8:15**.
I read **11:34**
